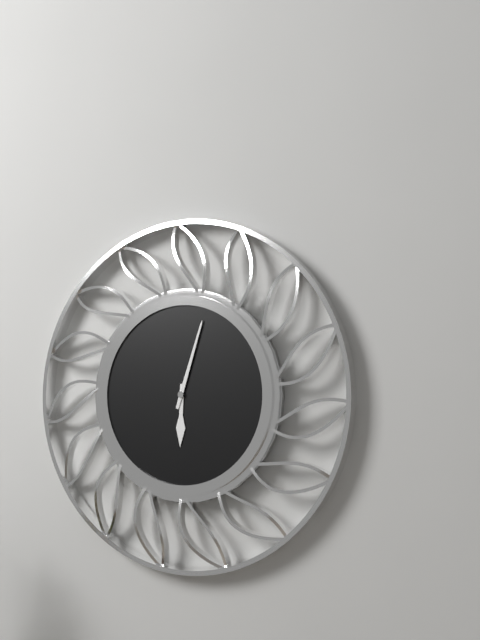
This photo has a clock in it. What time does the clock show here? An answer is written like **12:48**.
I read **6:03**
